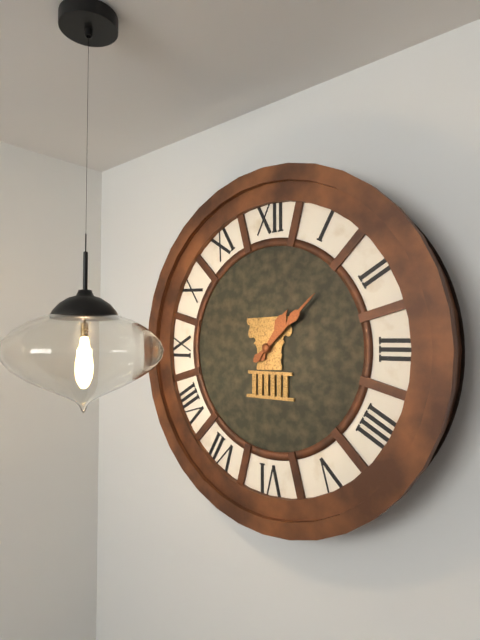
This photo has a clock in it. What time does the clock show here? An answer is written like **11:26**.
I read **1:08**
